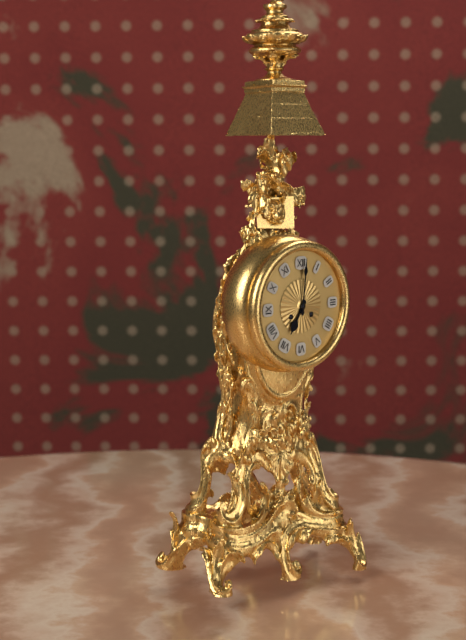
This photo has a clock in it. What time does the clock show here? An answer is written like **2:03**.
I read **7:01**
